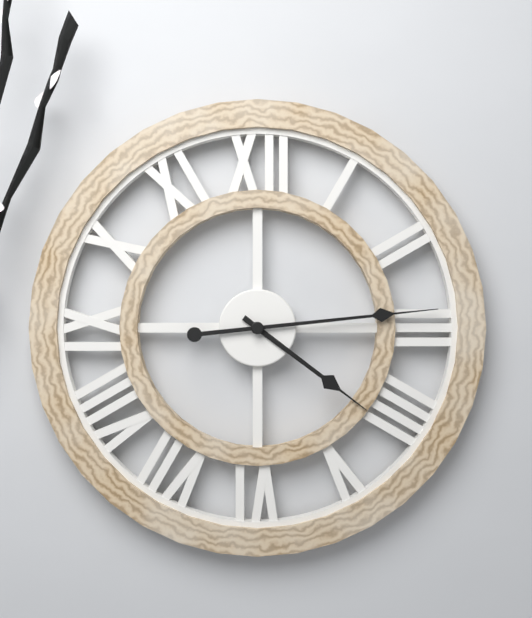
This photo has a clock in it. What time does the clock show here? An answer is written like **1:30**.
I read **4:14**
